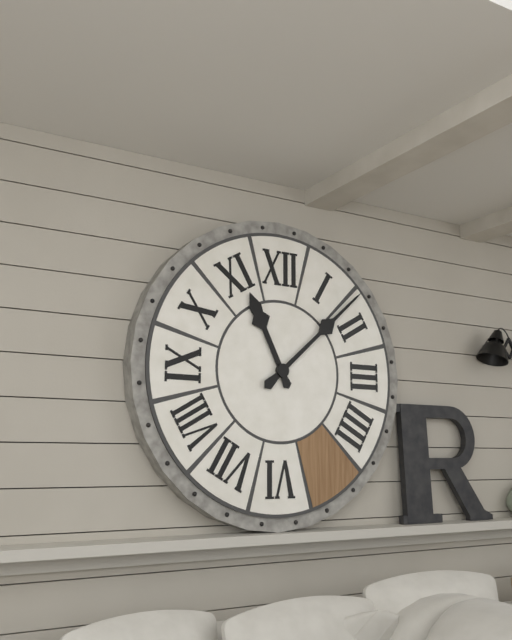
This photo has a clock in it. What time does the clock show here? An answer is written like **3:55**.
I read **11:08**
